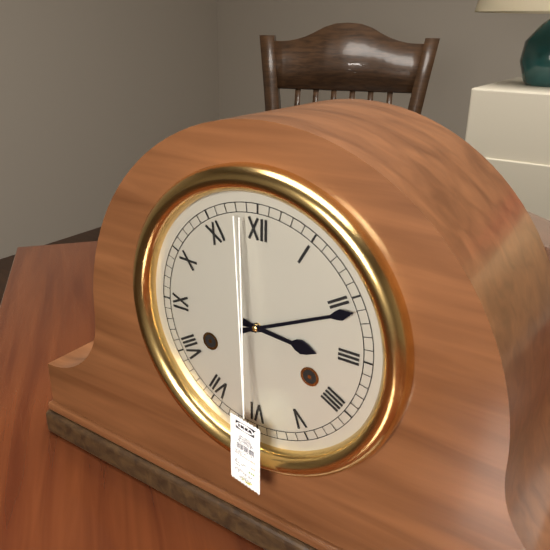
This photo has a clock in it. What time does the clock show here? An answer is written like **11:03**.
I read **3:11**
